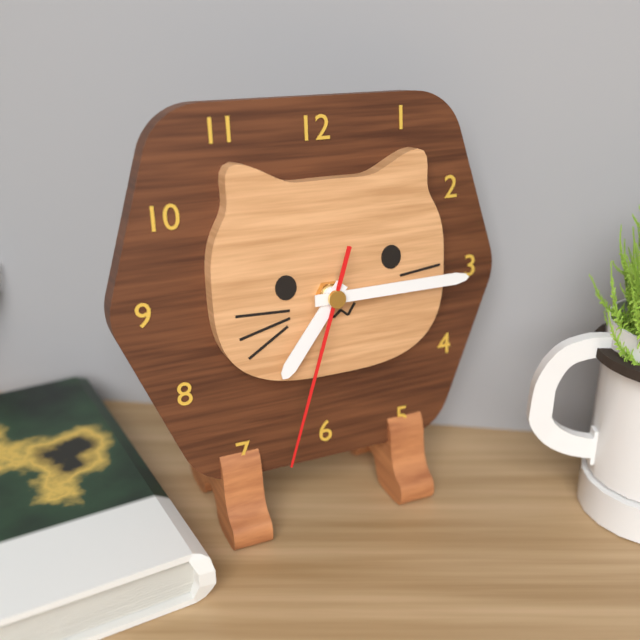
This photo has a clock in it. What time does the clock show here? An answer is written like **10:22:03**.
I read **7:15:33**
